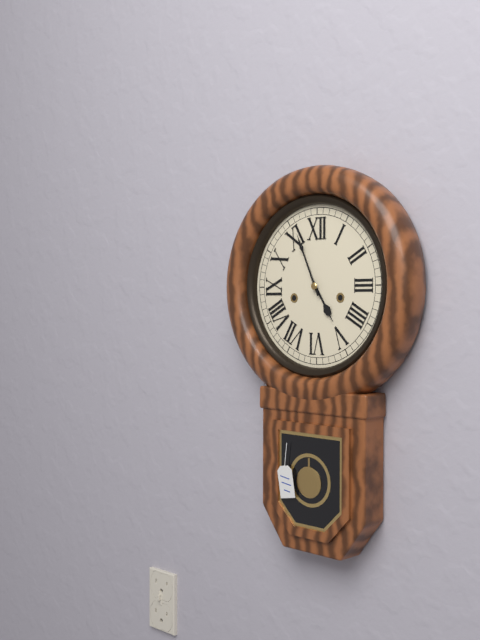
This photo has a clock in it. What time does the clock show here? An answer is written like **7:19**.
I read **4:56**
